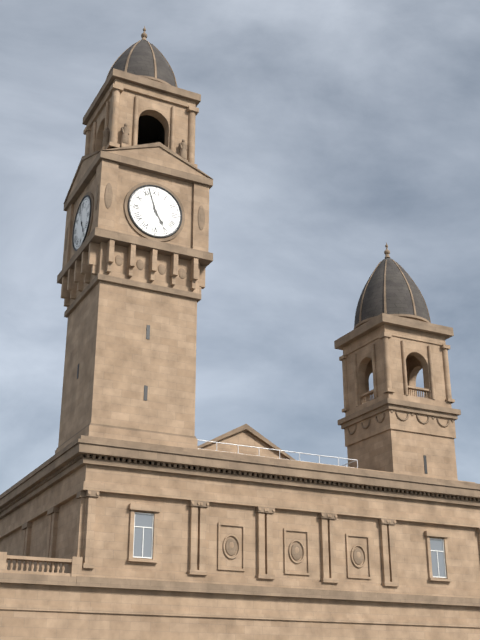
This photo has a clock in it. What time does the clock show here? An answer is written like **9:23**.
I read **4:57**
